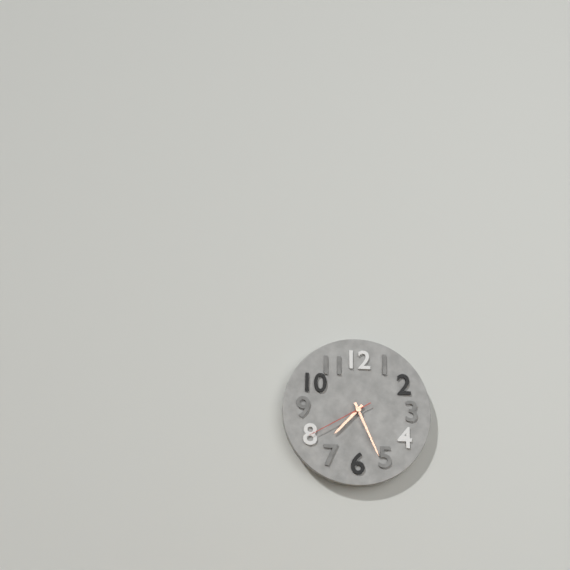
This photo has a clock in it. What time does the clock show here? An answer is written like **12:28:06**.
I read **7:26:40**
